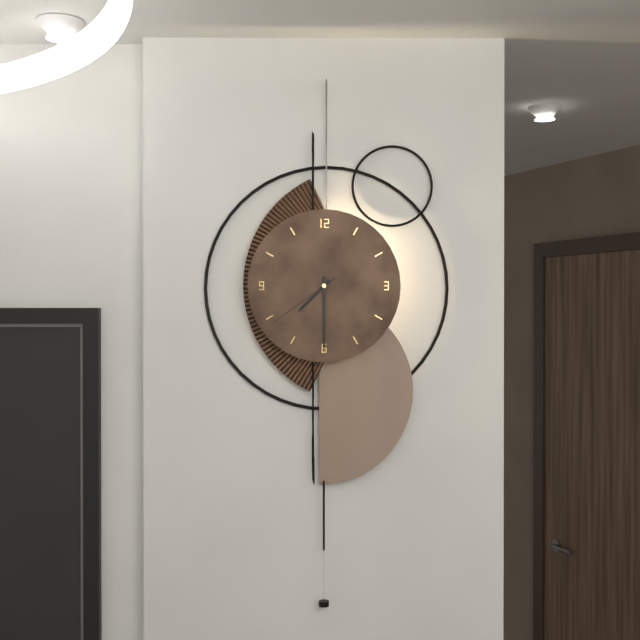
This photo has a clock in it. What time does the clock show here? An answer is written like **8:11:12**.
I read **7:30:39**
